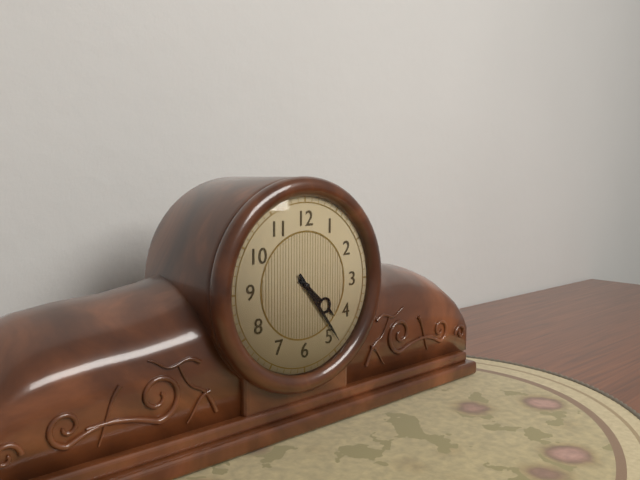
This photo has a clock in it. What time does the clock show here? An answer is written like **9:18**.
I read **4:24**
